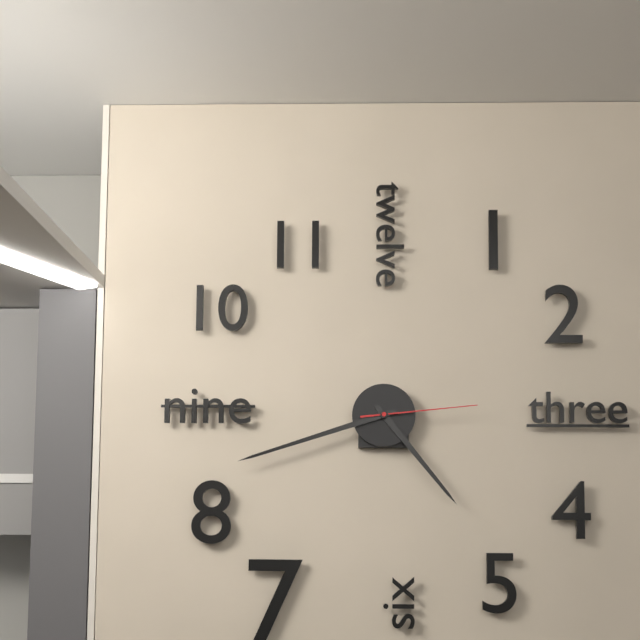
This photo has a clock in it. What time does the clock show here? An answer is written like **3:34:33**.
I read **4:42:14**
